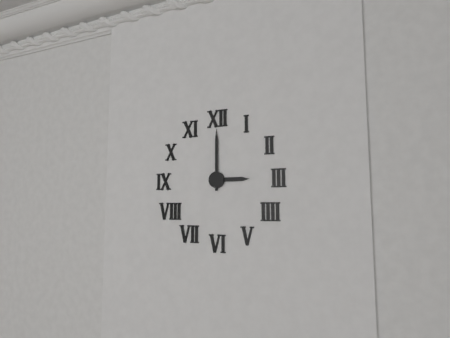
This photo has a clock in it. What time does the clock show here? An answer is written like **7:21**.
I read **3:00**
